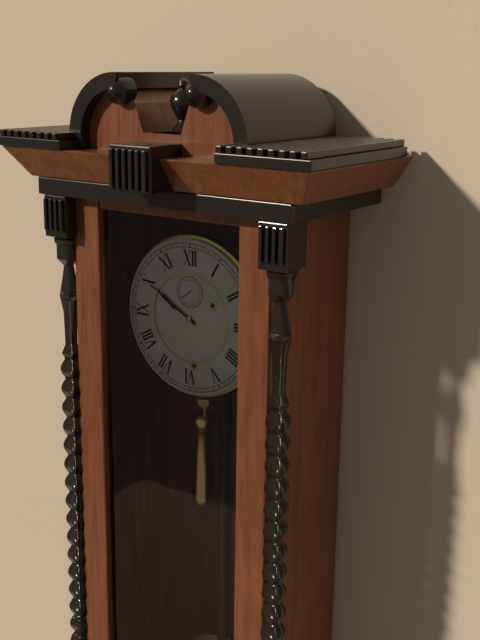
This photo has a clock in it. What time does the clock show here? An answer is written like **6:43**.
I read **9:50**
